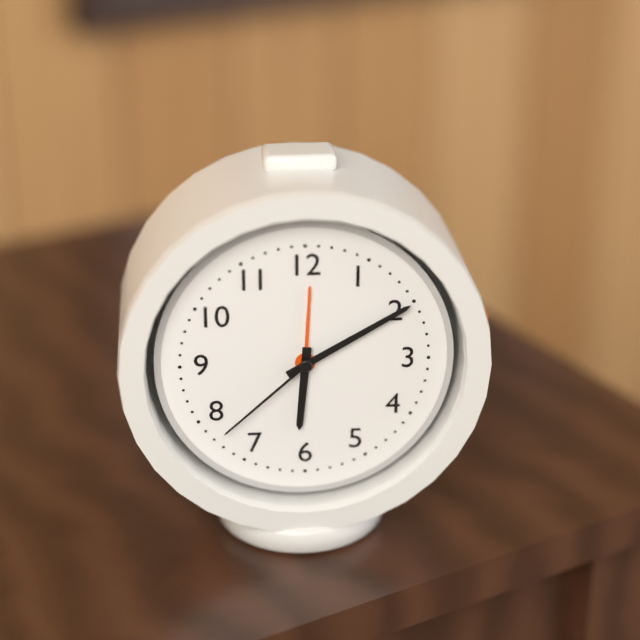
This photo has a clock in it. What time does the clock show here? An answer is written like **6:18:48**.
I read **6:10:38**
